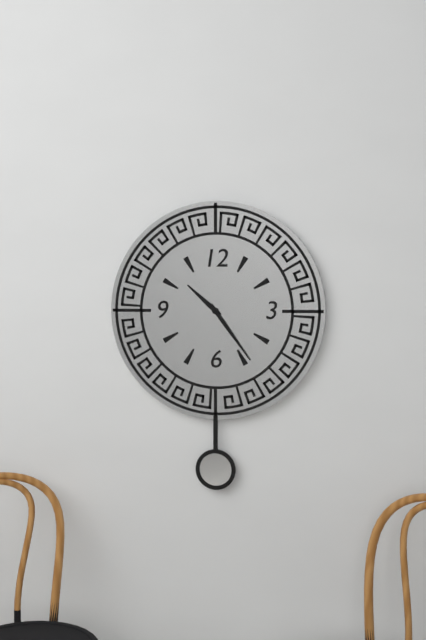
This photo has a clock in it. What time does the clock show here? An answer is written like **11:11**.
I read **10:24**
